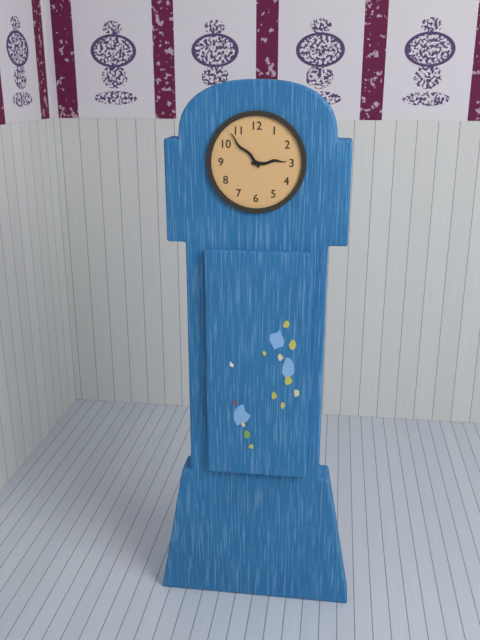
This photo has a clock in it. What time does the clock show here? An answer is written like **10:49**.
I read **2:53**
